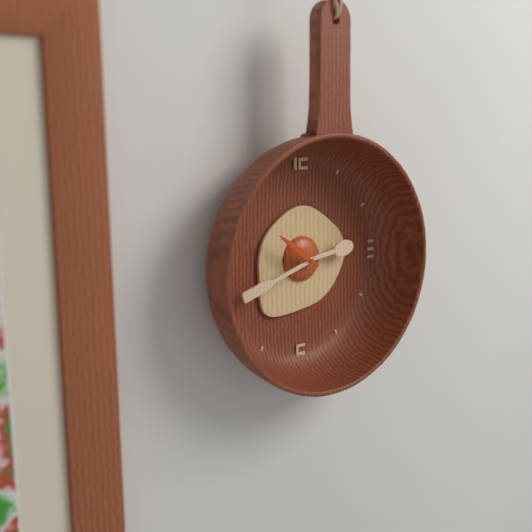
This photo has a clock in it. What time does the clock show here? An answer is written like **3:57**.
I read **2:42**
